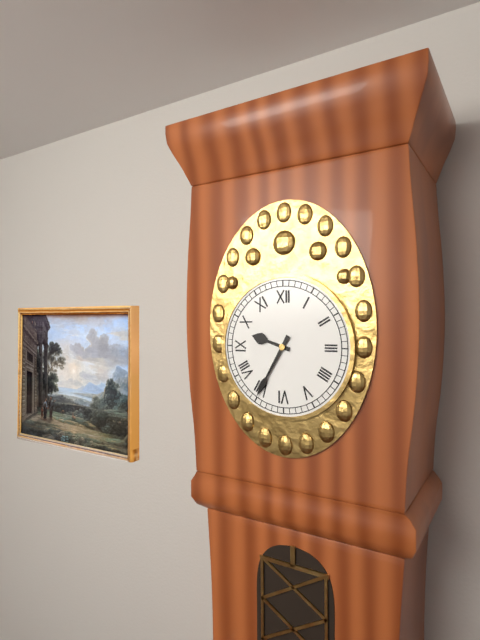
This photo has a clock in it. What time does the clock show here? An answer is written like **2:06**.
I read **9:35**
